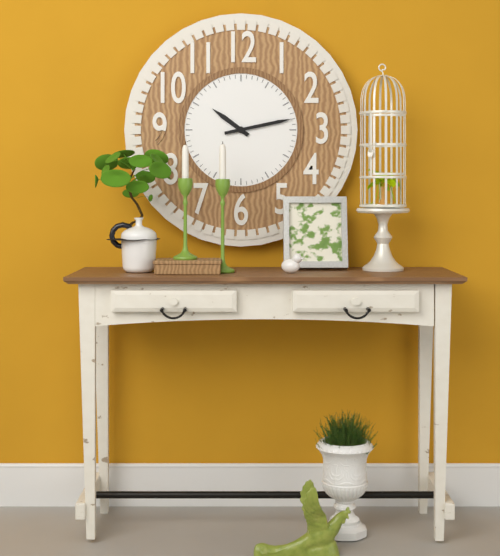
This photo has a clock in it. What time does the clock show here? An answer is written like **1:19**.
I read **10:13**
